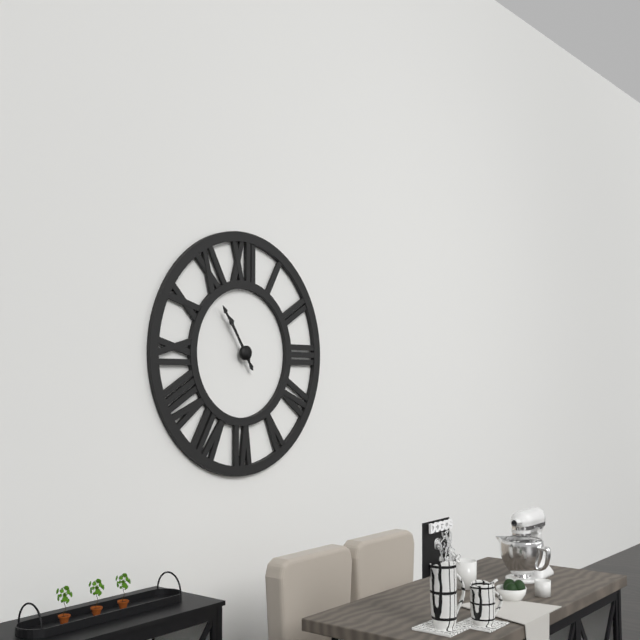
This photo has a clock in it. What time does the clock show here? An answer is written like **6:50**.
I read **10:54**
